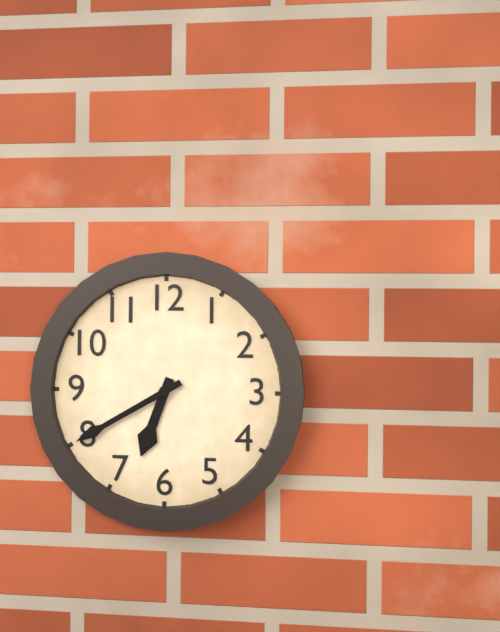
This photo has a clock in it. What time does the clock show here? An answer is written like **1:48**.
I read **6:40**
